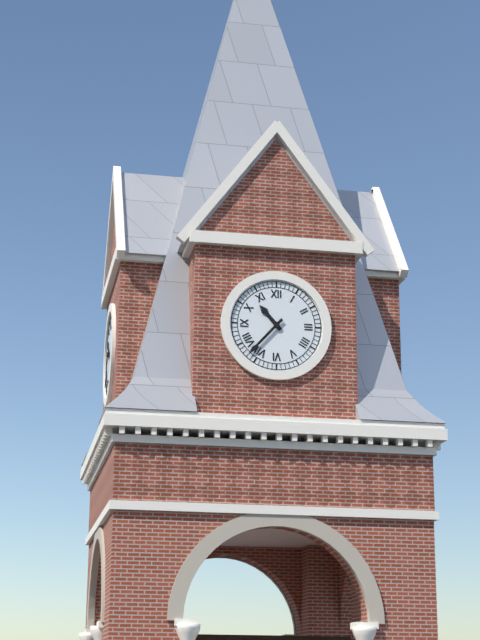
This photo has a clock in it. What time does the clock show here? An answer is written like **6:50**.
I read **10:37**
